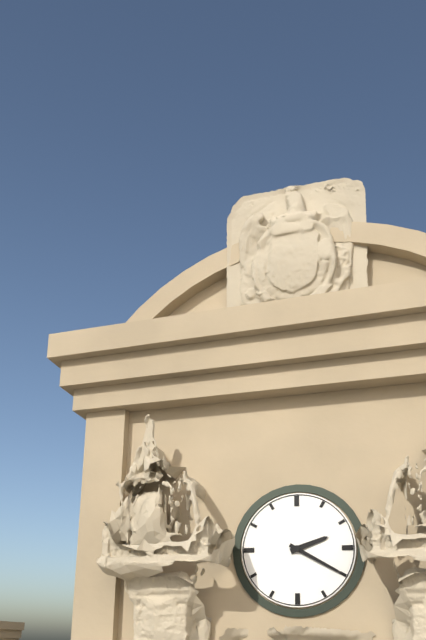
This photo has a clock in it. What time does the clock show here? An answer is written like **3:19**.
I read **2:20**
